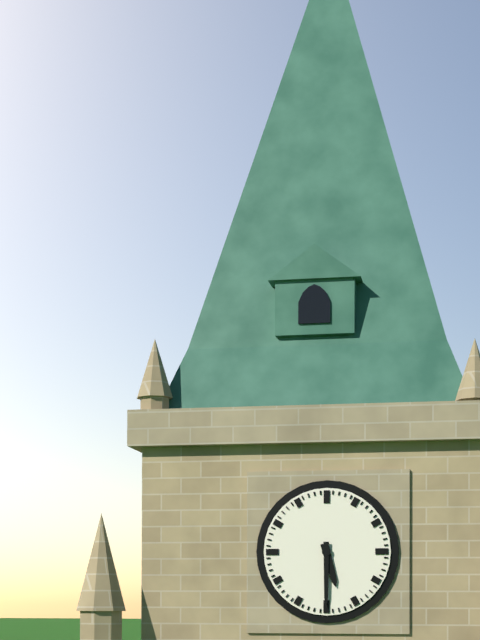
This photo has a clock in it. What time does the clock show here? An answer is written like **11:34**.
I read **5:30**
